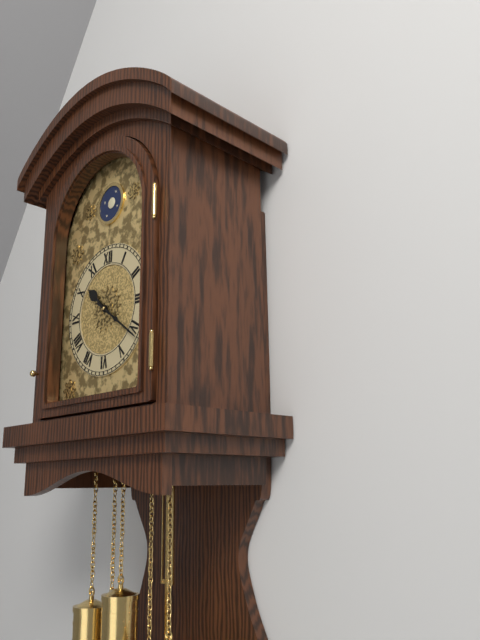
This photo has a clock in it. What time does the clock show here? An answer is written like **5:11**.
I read **10:21**
